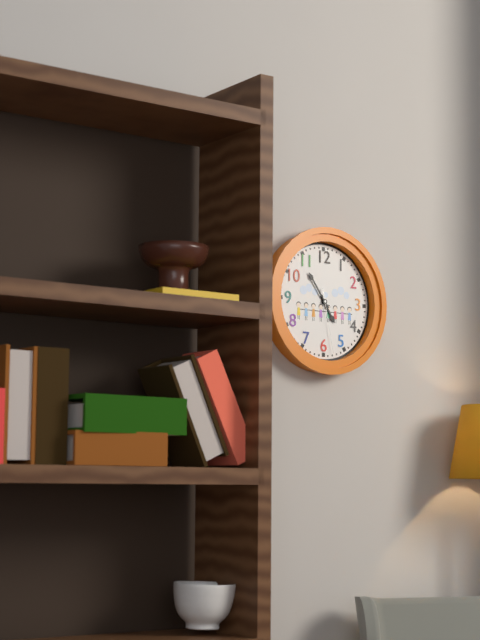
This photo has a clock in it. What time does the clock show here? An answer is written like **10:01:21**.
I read **4:54:28**
